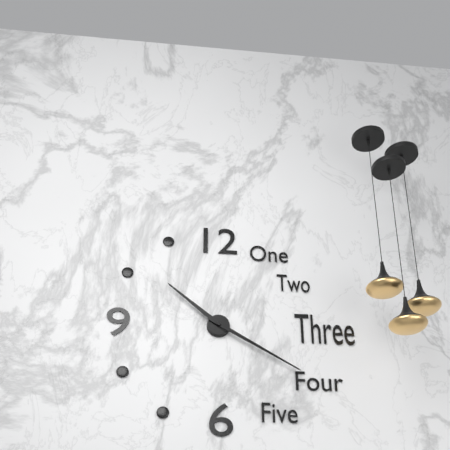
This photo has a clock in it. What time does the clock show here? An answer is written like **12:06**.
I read **10:20**
